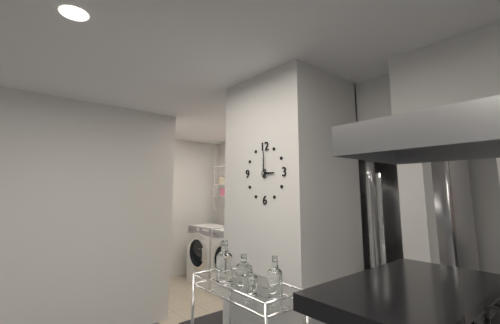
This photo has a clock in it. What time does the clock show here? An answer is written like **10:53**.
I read **3:00**
